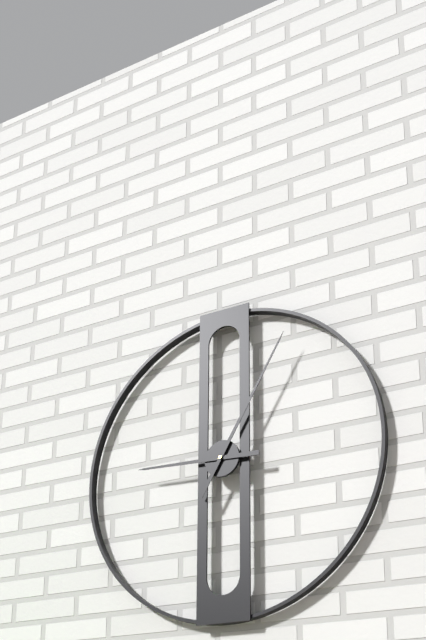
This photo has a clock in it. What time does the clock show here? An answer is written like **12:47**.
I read **9:05**
